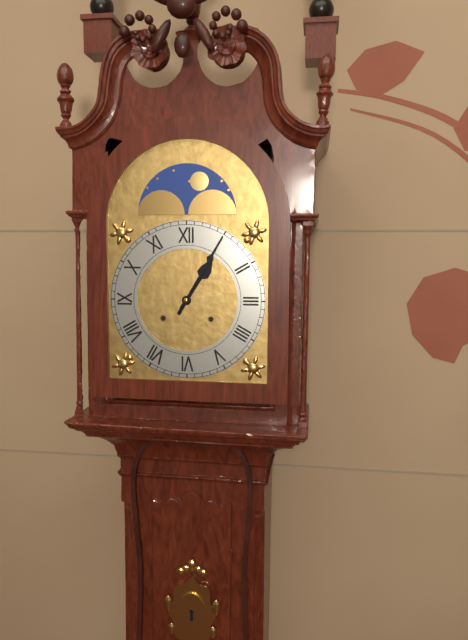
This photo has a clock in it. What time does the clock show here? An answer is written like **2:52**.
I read **1:05**
